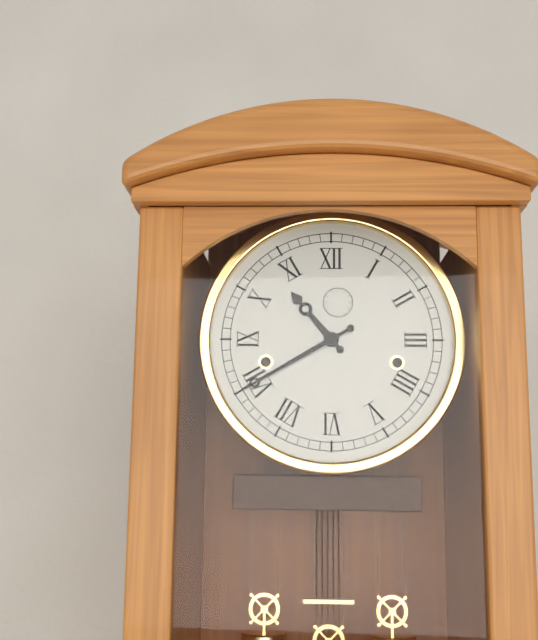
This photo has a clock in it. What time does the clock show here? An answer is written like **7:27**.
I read **10:40**
